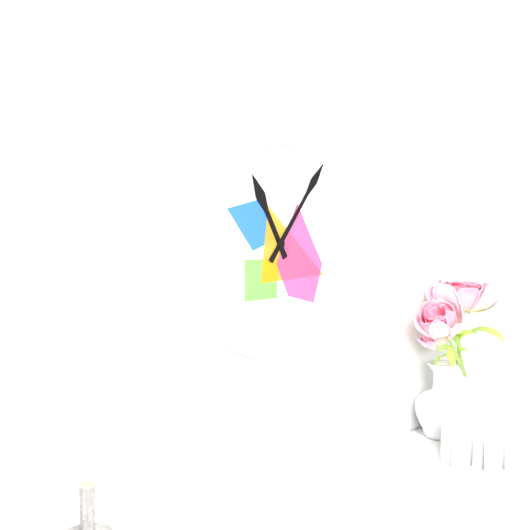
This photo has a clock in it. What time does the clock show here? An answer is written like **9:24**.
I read **11:06**
